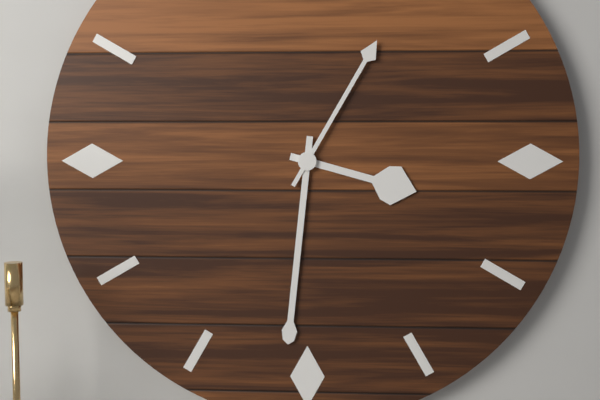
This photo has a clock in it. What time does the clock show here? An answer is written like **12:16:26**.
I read **3:31:05**
